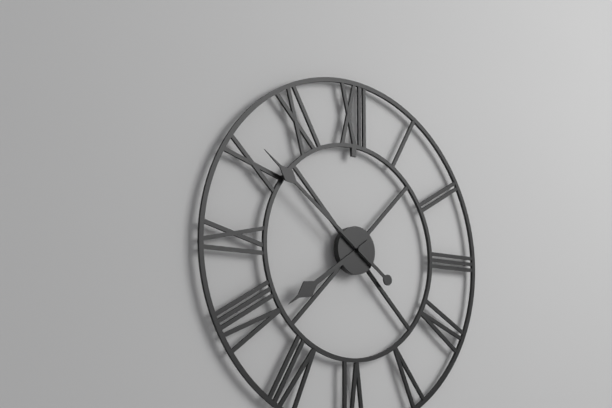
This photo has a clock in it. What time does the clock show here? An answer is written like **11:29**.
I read **7:51**
